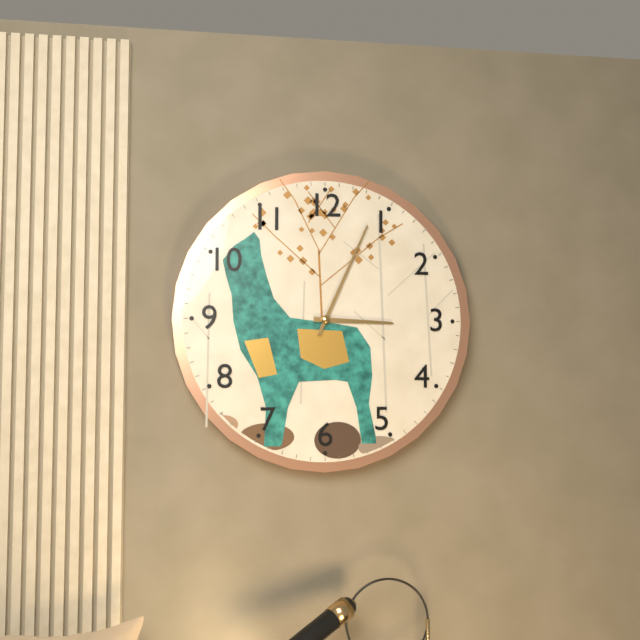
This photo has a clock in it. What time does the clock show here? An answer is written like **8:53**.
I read **3:04**
